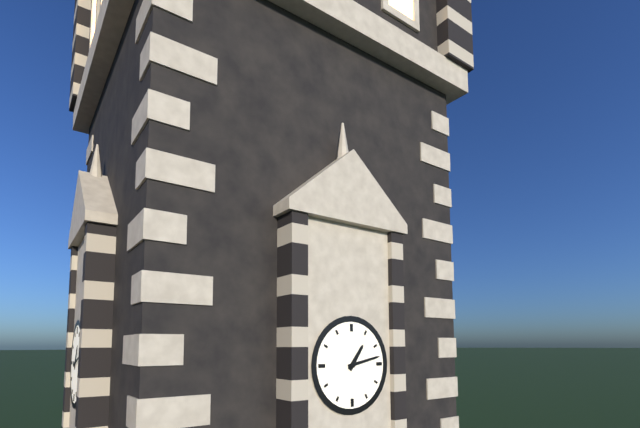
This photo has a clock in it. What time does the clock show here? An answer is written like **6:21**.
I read **1:13**
